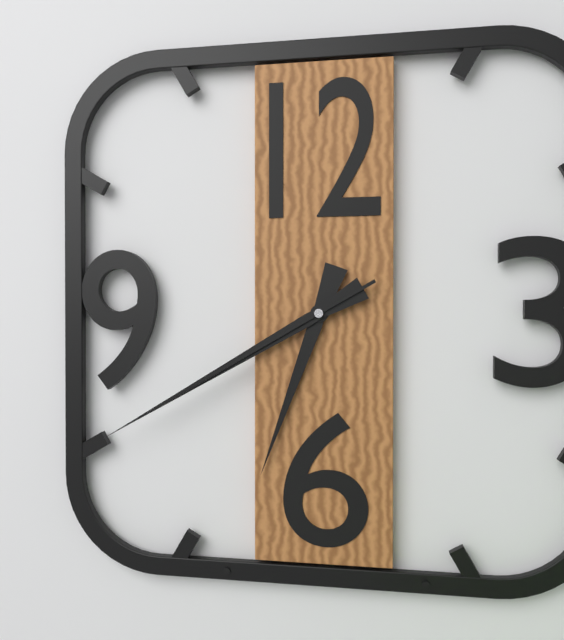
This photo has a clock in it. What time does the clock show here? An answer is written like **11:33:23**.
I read **6:40:40**
